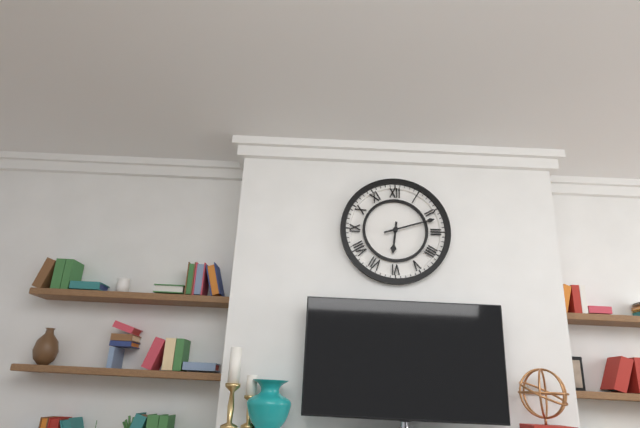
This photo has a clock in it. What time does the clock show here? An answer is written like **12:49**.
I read **6:12**
